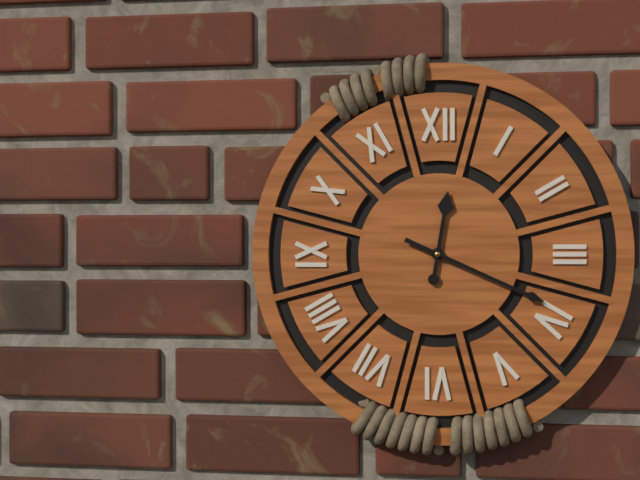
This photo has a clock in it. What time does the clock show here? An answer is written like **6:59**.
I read **12:19**
